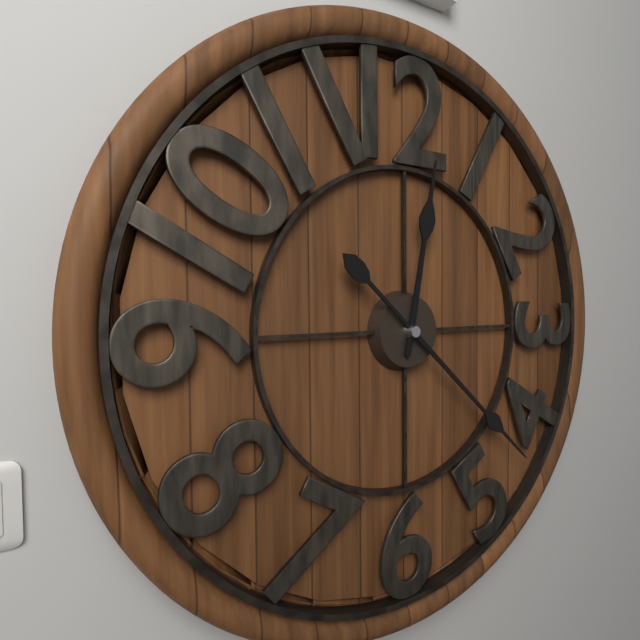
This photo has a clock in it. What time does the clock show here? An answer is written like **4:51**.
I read **12:22**
